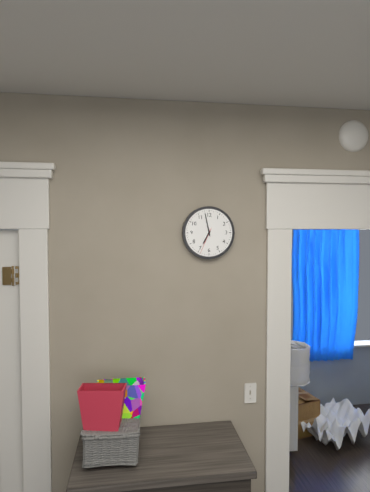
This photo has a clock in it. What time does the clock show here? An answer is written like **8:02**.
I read **6:58**
